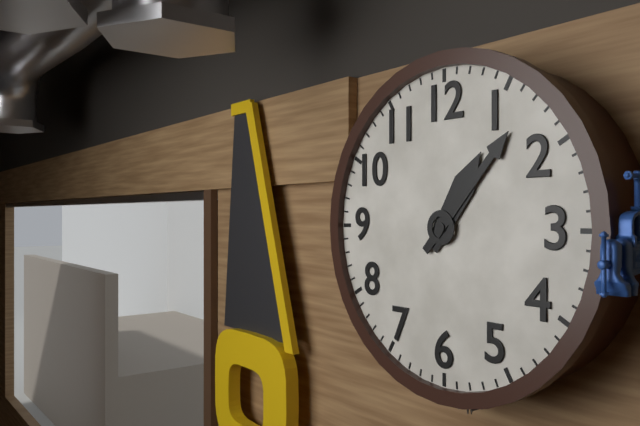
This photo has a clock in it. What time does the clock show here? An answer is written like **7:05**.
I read **1:07**
